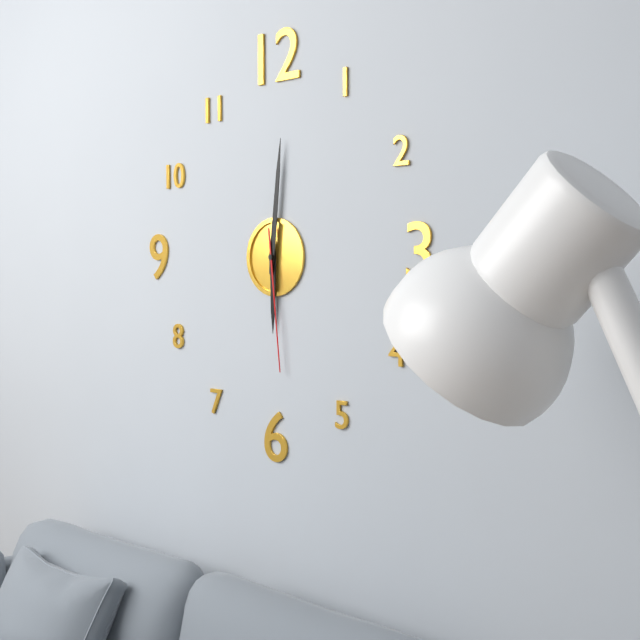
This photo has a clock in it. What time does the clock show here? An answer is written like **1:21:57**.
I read **6:01:29**
